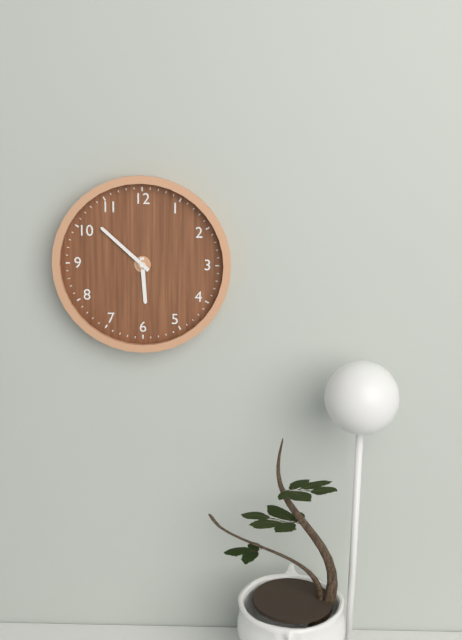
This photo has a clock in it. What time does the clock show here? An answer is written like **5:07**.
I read **5:52**
